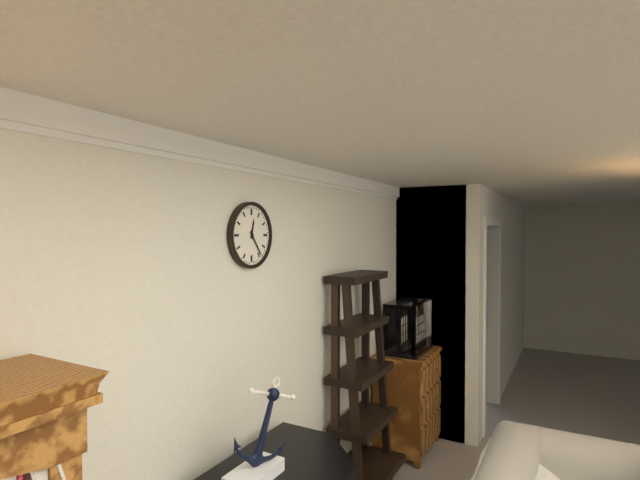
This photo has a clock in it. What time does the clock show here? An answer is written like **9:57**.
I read **12:24**
